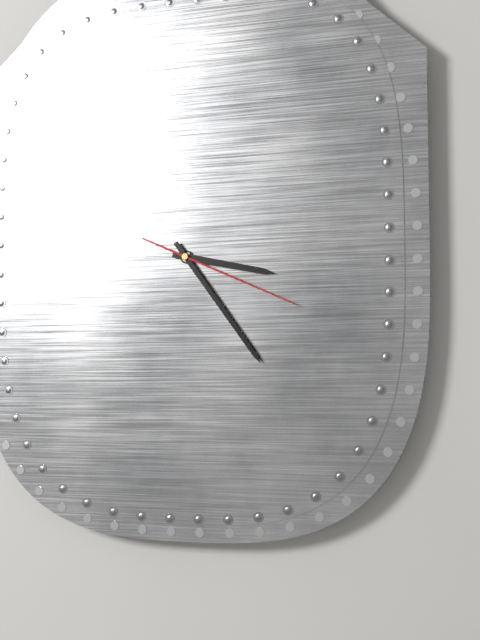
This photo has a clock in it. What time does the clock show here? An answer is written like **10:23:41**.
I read **3:24:19**
